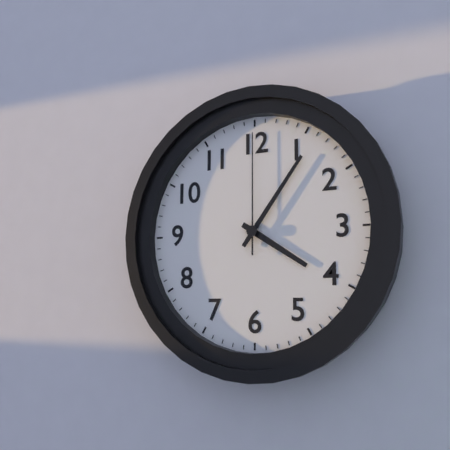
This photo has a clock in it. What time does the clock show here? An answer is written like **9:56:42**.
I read **4:06:00**
